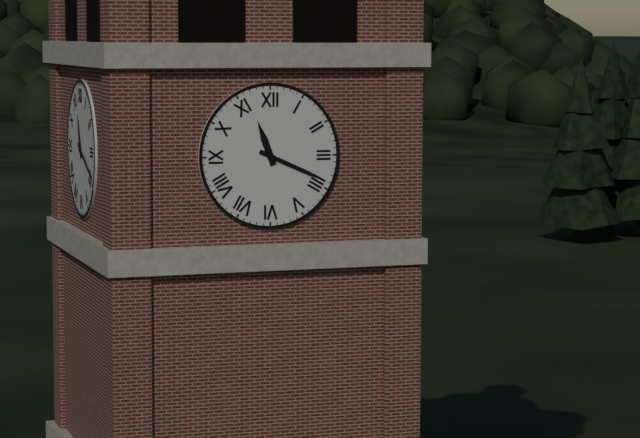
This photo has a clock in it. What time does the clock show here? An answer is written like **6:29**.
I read **11:19**
